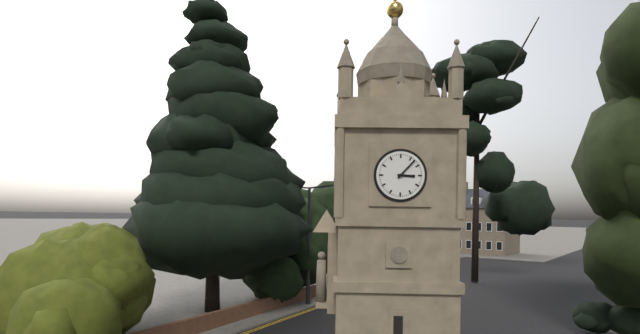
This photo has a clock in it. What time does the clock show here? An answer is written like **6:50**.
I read **3:07**
